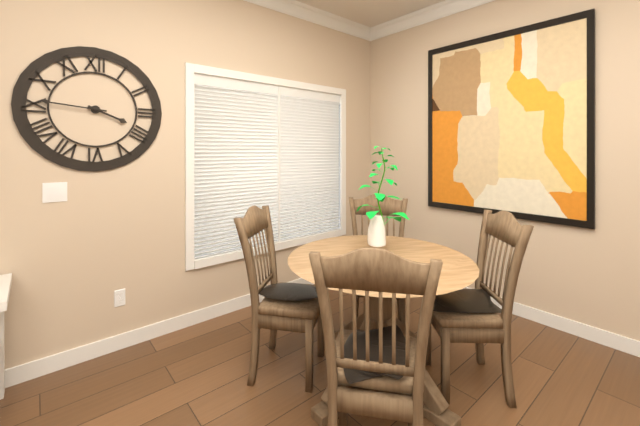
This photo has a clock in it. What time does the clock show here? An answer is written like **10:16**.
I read **3:46**
